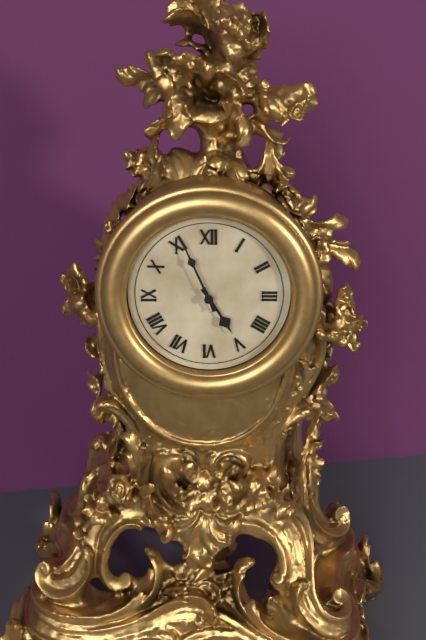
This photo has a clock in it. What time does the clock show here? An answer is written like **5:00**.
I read **4:56**
